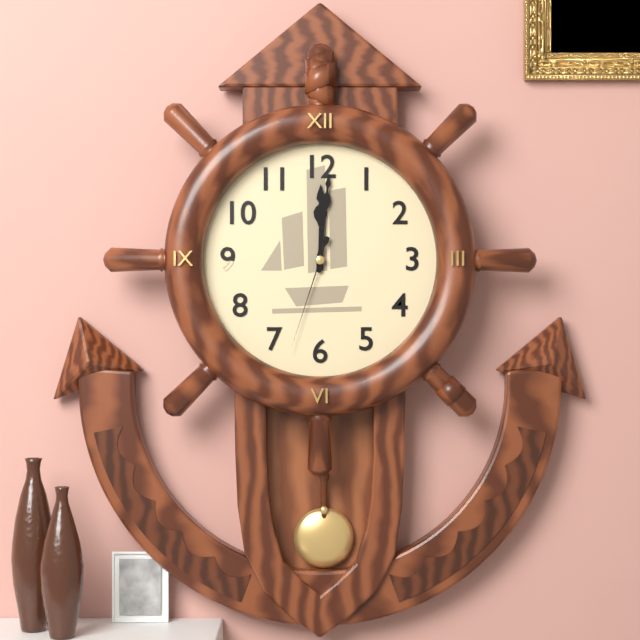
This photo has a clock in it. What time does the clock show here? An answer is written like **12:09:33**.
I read **12:01:33**
